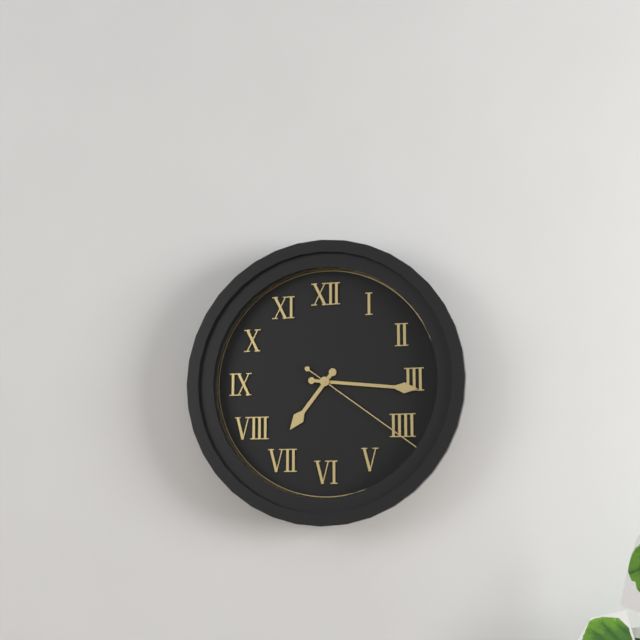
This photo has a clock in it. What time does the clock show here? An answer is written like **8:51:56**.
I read **7:16:21**
